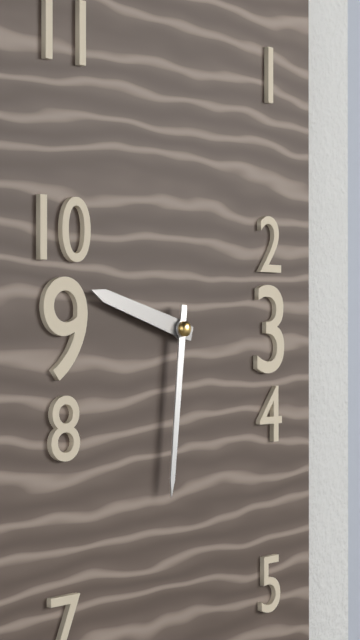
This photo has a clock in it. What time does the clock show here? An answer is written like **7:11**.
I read **9:31**
